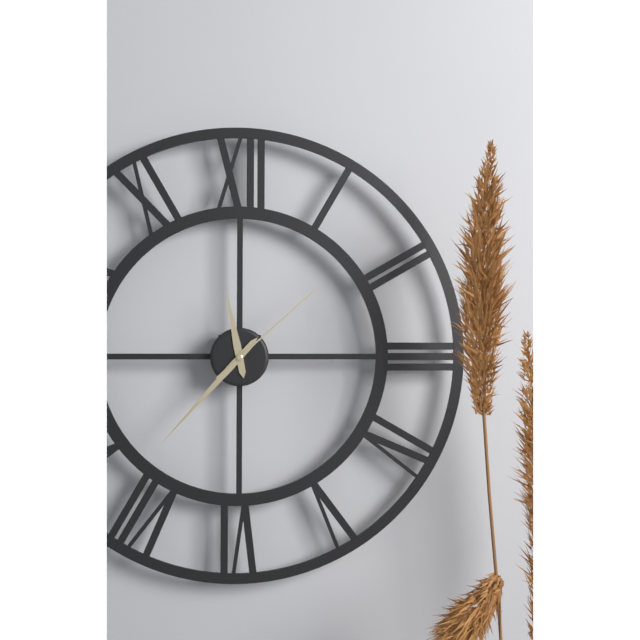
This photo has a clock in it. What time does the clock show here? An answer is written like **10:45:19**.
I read **11:37:08**
